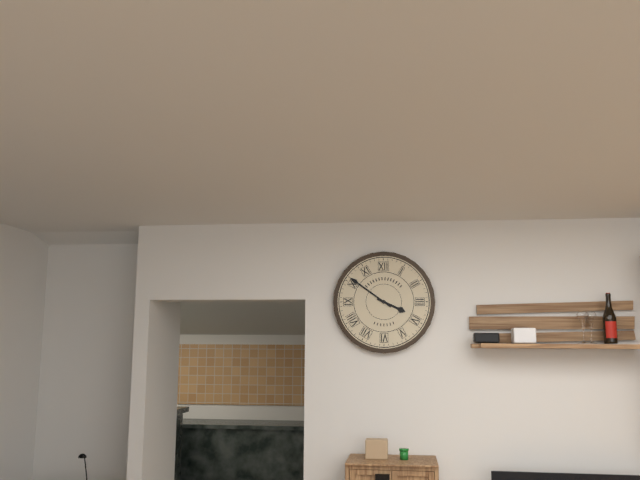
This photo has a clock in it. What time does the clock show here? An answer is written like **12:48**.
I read **3:51**
